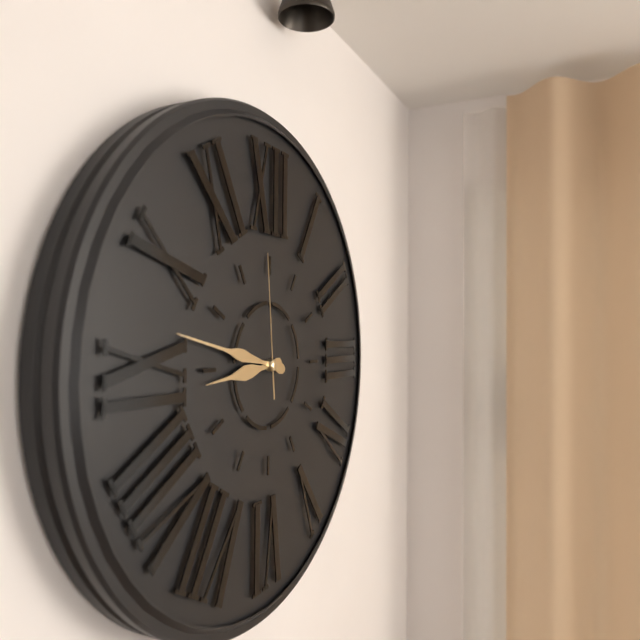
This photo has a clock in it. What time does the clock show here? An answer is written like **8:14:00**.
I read **8:47:59**
